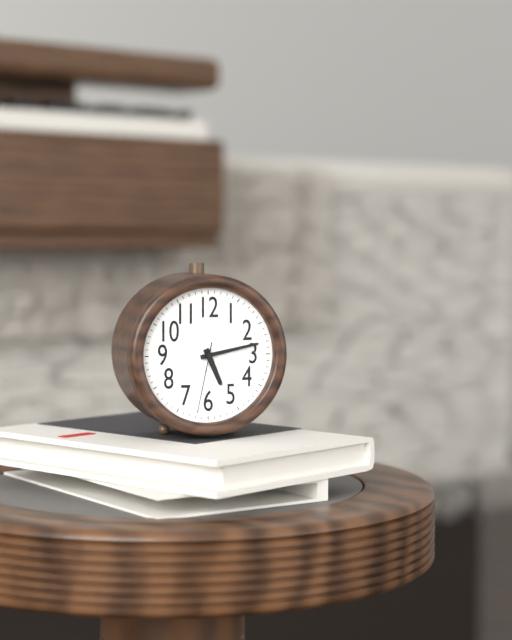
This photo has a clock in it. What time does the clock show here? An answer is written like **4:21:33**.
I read **5:13:32**
